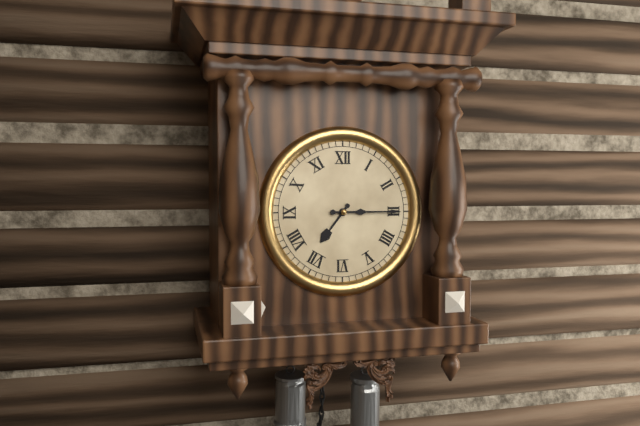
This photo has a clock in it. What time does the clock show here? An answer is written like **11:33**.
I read **7:15**
